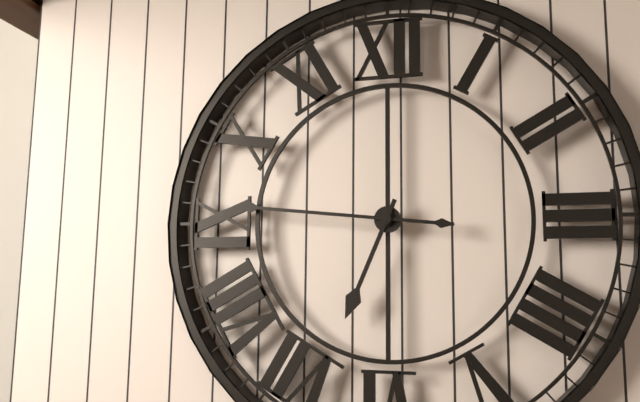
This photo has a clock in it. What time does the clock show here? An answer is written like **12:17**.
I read **6:46**
